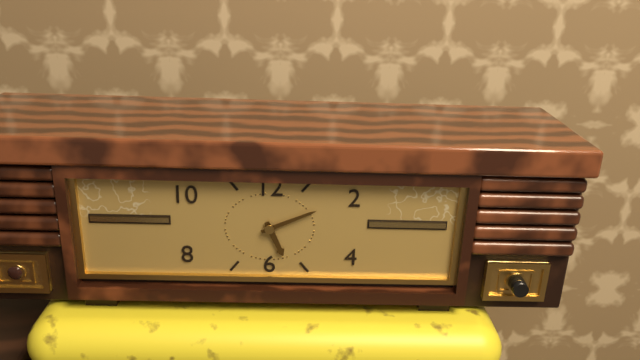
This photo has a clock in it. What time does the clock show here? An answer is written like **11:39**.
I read **5:11**
